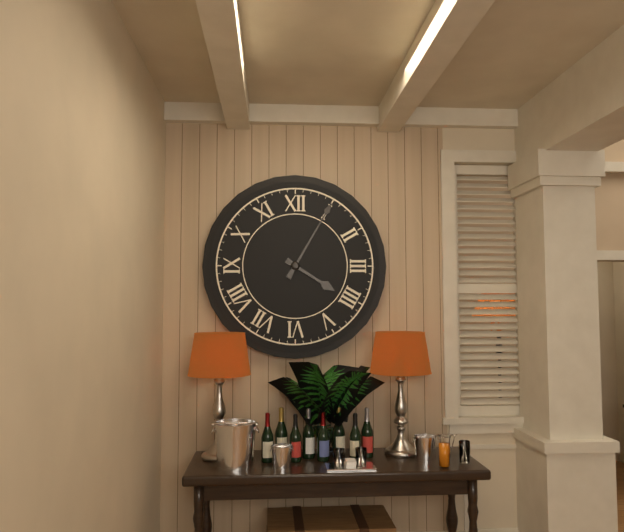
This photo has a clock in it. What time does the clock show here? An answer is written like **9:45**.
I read **4:05**
